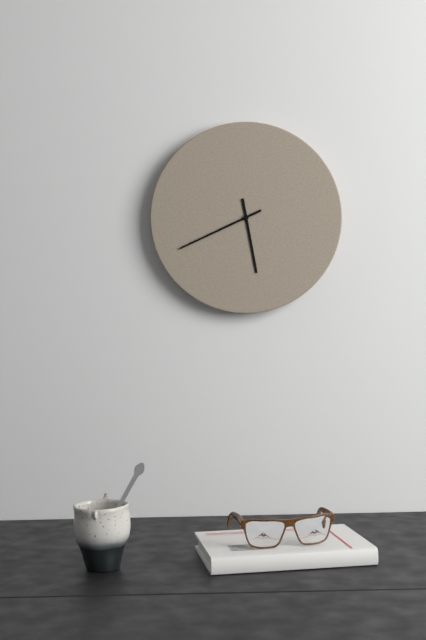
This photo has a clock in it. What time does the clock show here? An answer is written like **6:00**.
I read **5:41**
